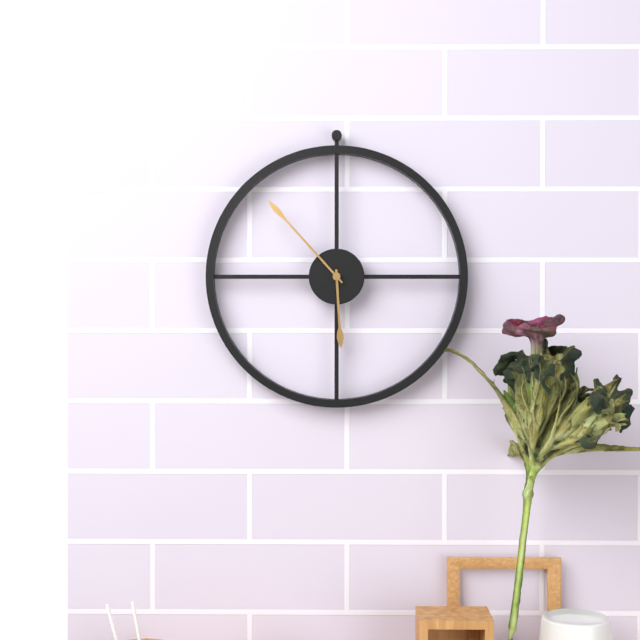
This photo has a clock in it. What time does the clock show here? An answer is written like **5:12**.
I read **5:53**
